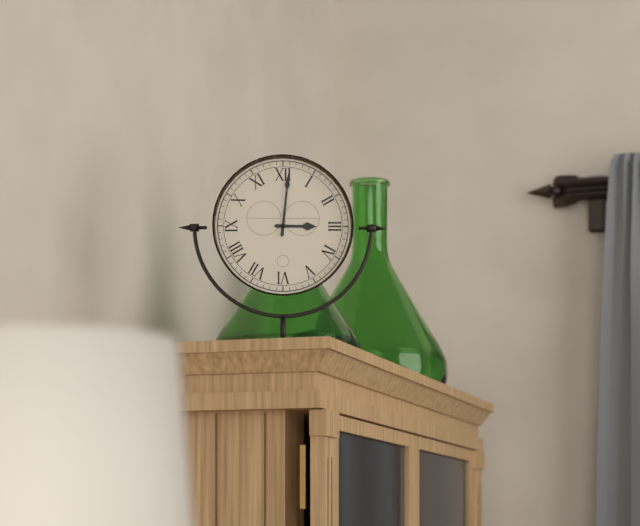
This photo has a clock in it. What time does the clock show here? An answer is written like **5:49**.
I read **3:01**
